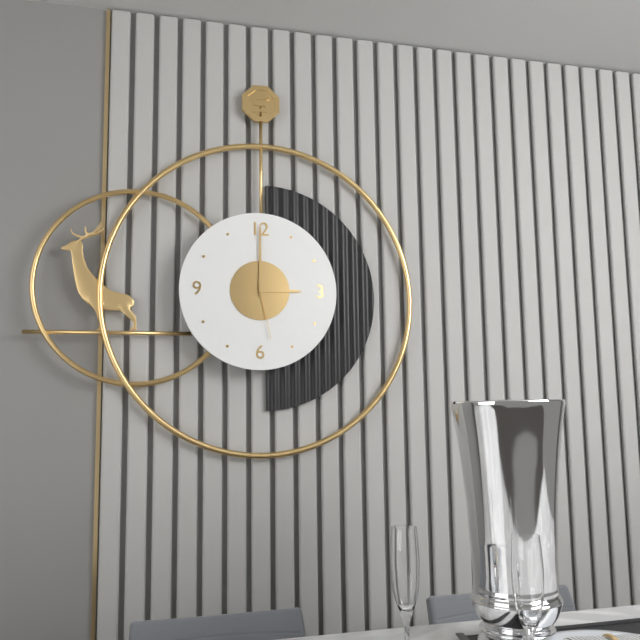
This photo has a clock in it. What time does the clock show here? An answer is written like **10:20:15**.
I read **3:00:28**
